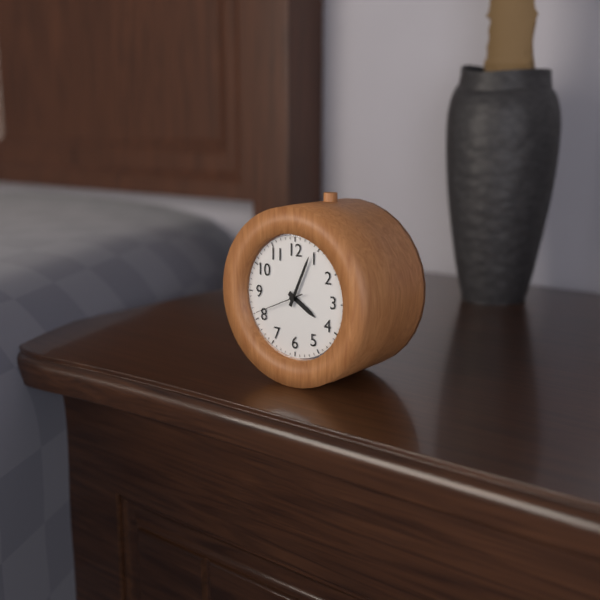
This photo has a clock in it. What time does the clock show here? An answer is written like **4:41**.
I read **4:04**
